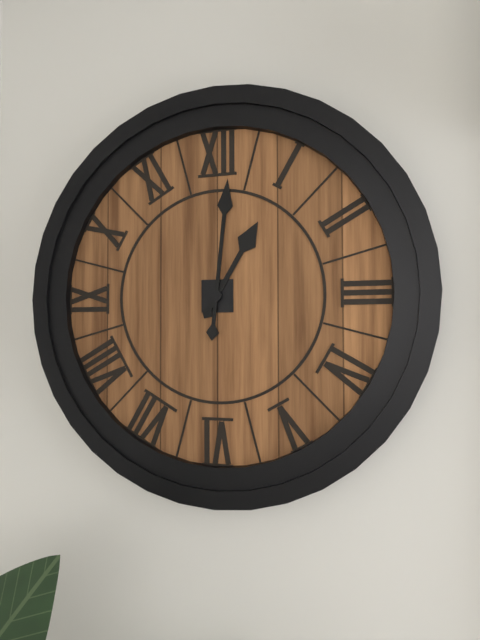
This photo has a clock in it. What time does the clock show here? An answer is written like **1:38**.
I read **1:01**
